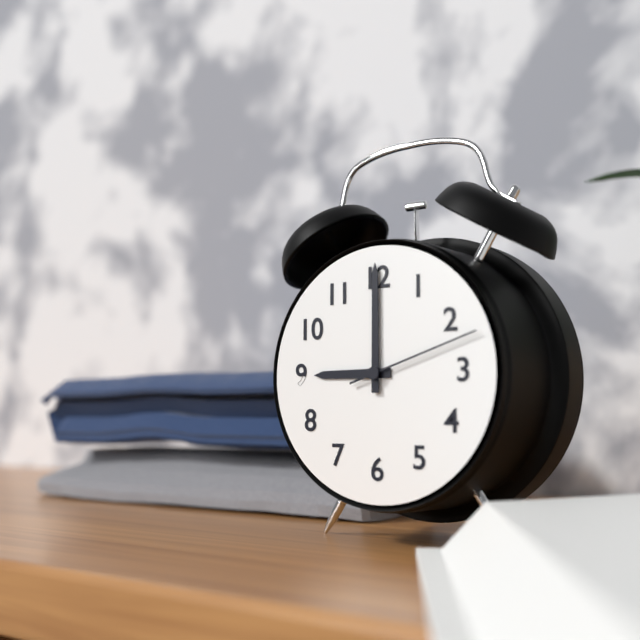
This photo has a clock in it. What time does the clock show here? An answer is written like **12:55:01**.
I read **9:00:12**
